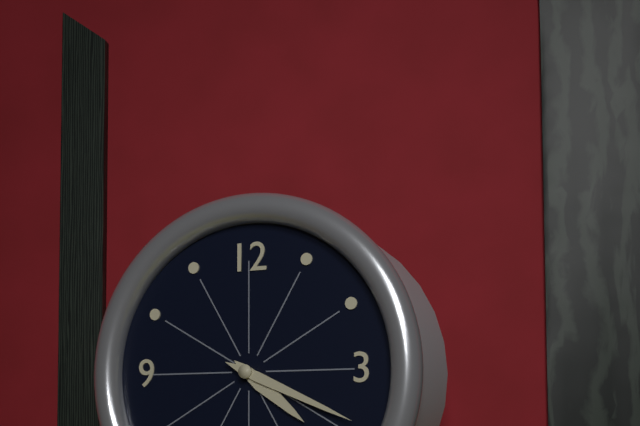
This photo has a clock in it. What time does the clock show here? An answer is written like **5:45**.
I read **4:19**
